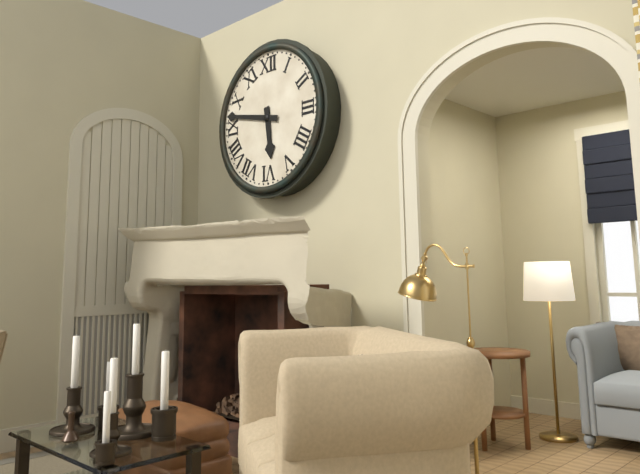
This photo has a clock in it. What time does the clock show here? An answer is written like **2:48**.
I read **5:47**
